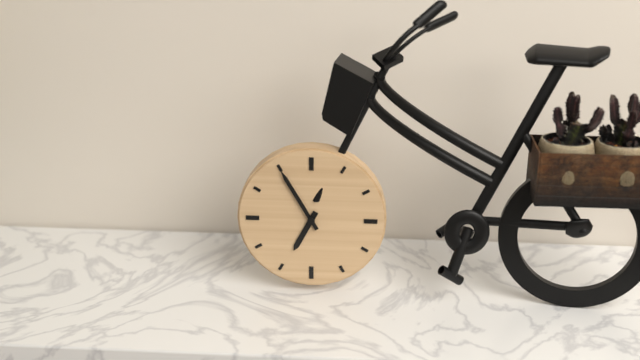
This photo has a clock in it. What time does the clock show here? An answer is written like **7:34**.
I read **6:55**
